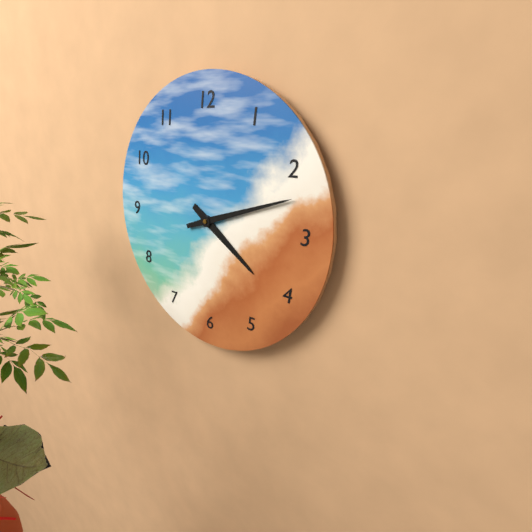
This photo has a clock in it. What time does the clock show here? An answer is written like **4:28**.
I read **4:12**
